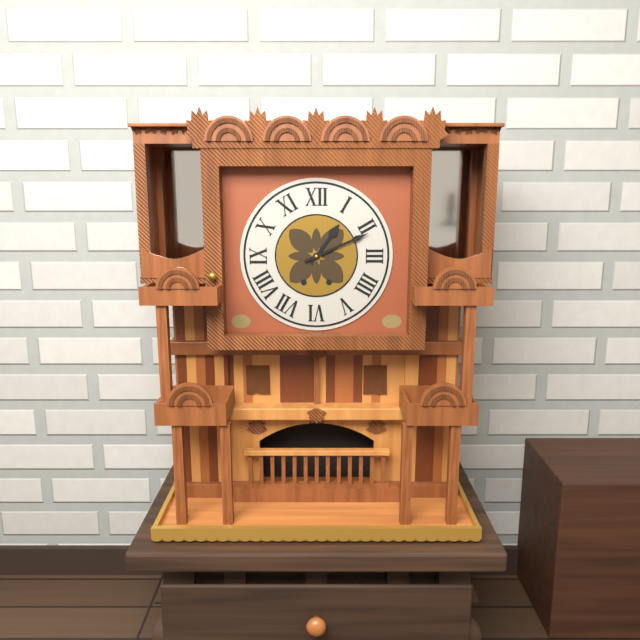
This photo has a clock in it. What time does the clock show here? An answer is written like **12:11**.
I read **1:11**
